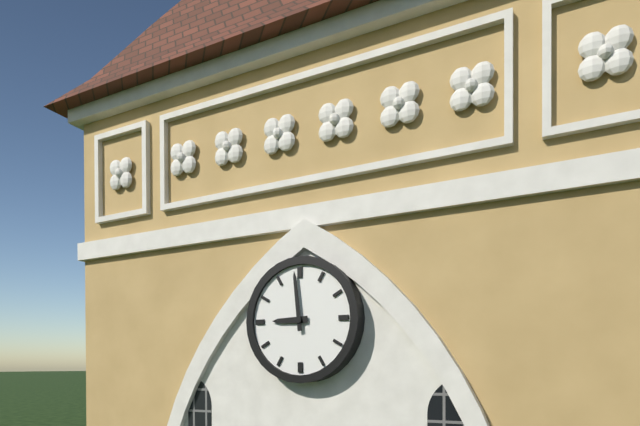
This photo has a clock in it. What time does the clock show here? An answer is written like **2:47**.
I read **8:59**
